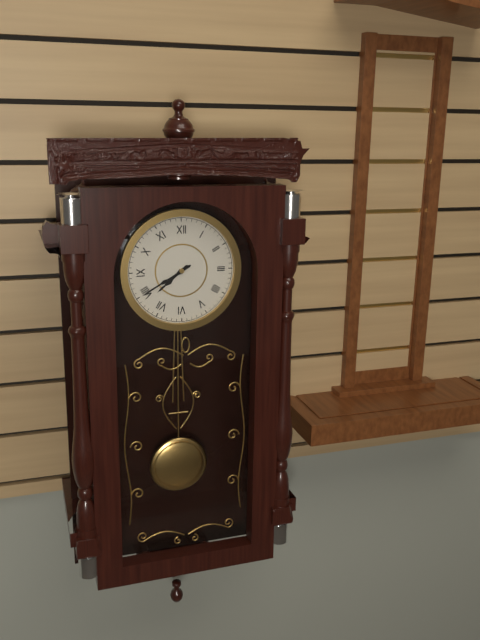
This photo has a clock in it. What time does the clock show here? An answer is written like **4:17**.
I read **7:40**
